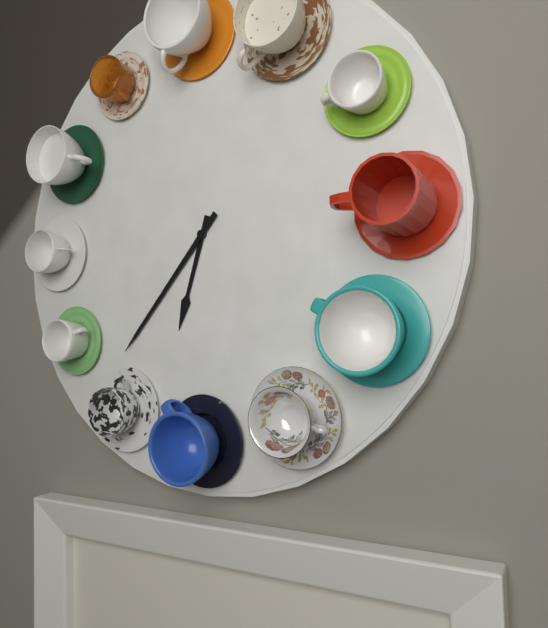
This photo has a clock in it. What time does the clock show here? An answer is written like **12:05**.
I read **6:37**
